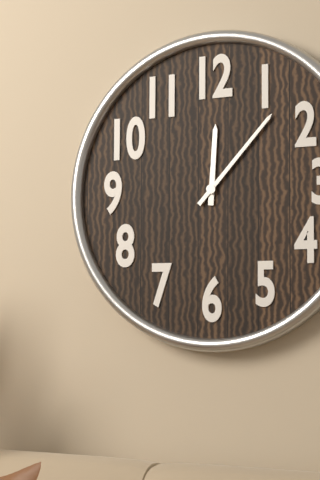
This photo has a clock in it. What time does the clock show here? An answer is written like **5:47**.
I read **12:07**
